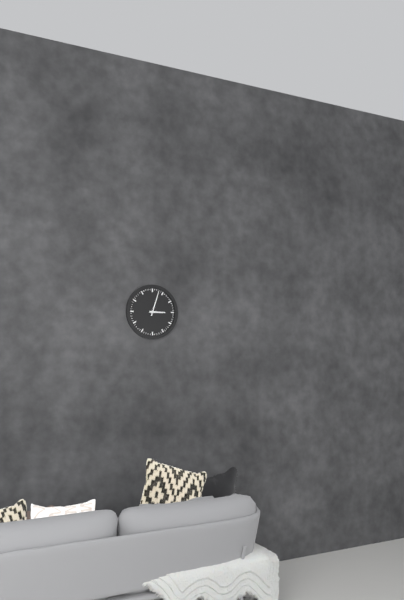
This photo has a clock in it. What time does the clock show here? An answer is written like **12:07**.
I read **3:03**
